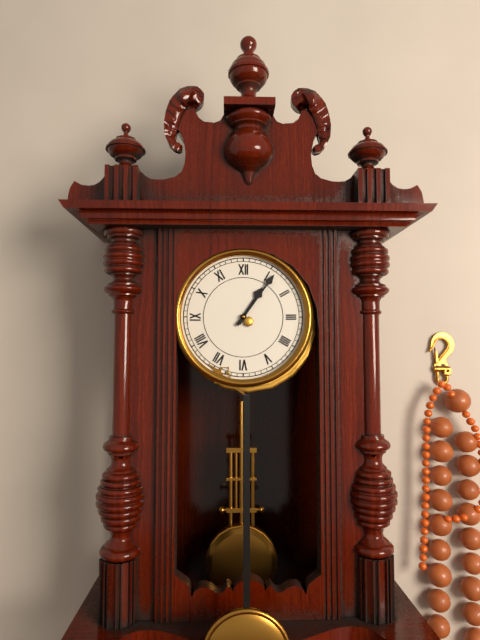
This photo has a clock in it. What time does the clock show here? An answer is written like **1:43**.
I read **1:06**
